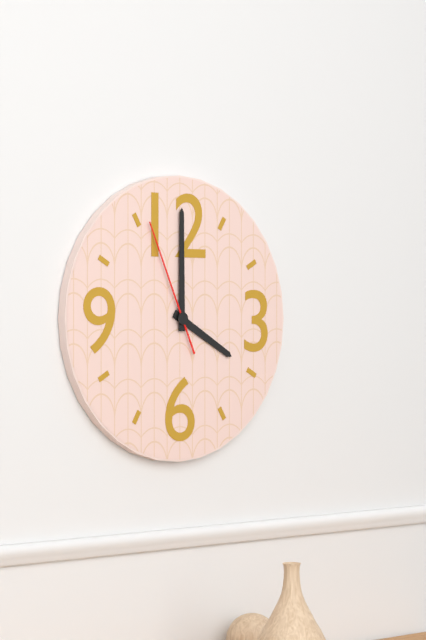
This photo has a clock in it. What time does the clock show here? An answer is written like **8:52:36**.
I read **4:00:56**
